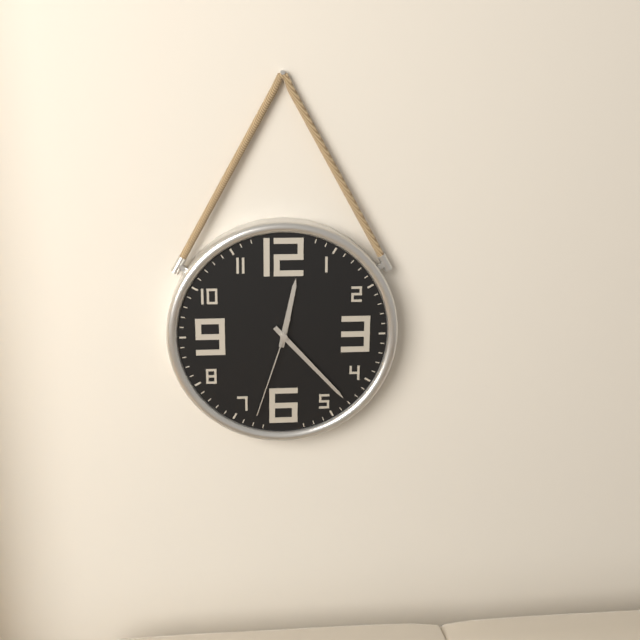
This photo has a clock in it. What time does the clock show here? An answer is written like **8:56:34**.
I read **12:23:33**
